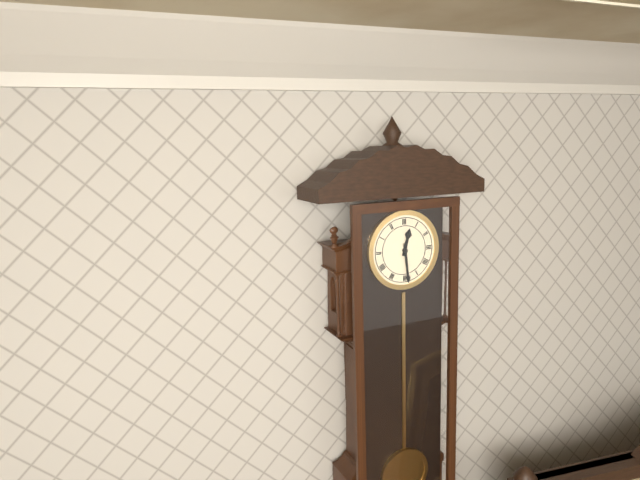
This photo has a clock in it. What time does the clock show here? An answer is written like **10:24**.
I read **12:29**
